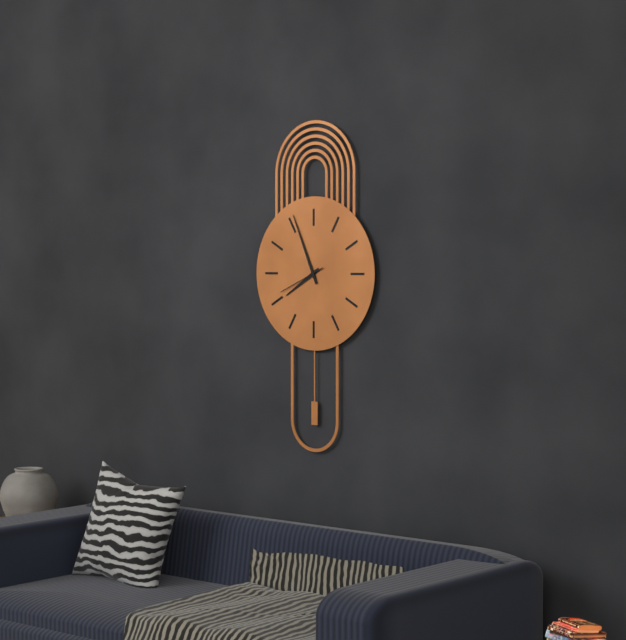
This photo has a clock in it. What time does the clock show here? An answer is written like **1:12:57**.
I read **7:56:41**
